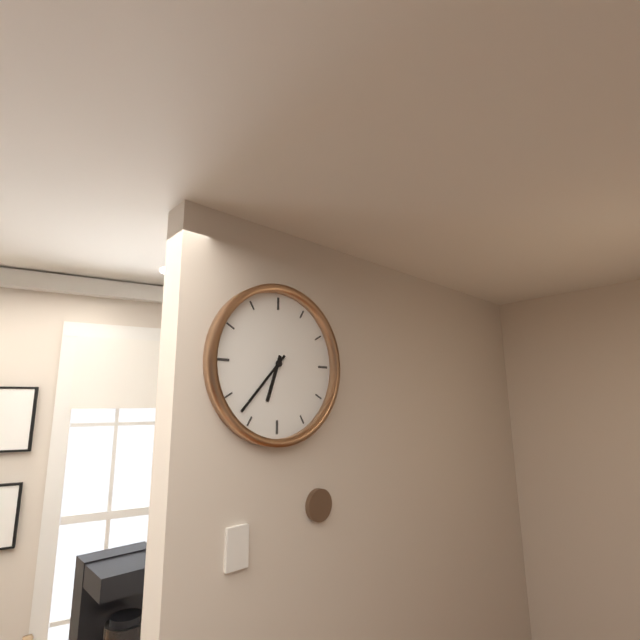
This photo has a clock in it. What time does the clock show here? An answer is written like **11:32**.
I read **6:37**
